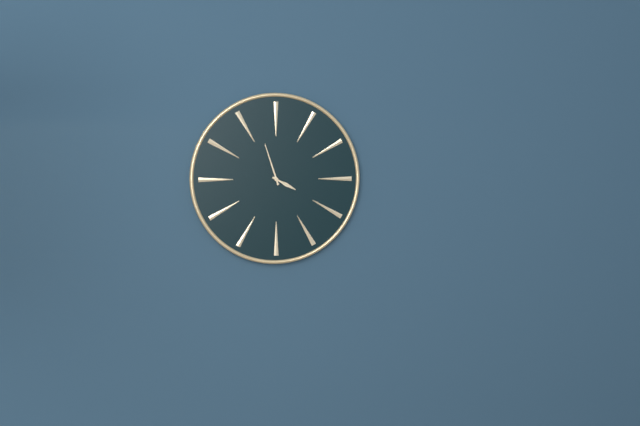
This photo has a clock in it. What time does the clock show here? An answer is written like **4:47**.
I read **3:57**
